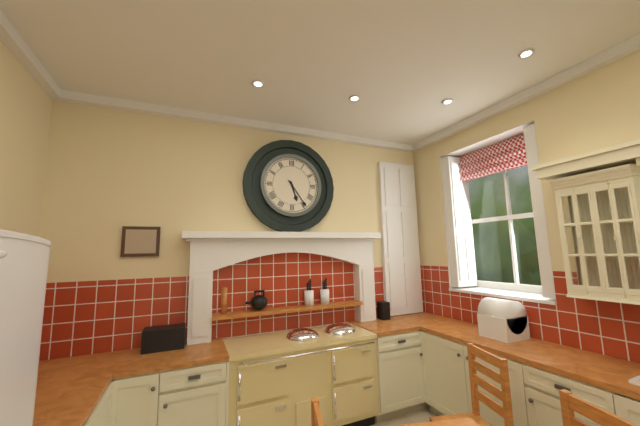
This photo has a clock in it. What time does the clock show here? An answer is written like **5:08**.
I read **5:24**
